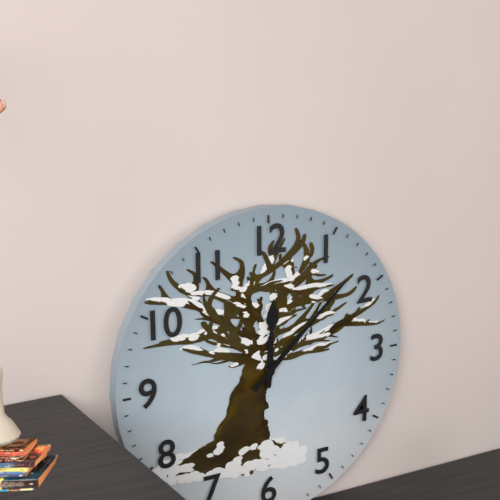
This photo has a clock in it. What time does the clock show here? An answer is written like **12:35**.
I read **12:08**
